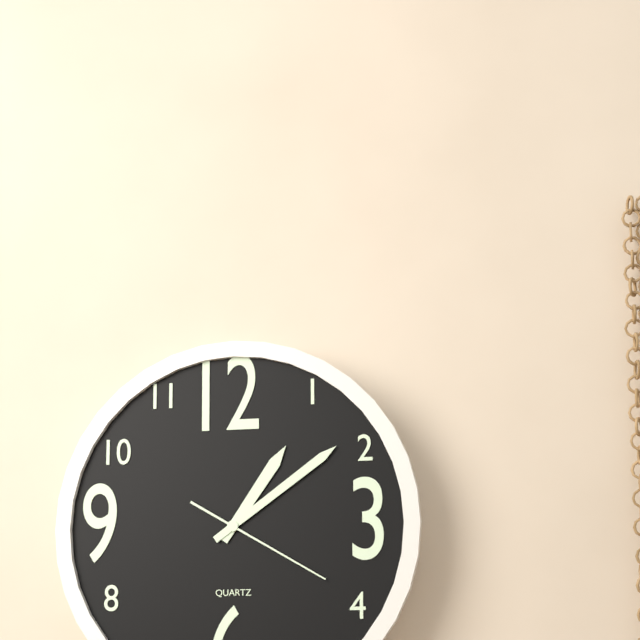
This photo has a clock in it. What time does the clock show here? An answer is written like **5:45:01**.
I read **1:09:20**
